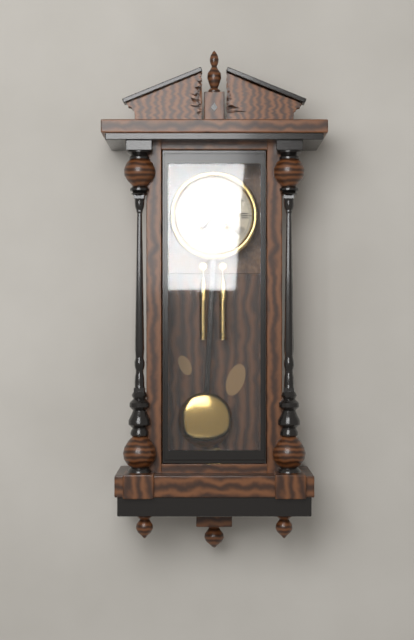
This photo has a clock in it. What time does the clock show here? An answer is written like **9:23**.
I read **7:21**
